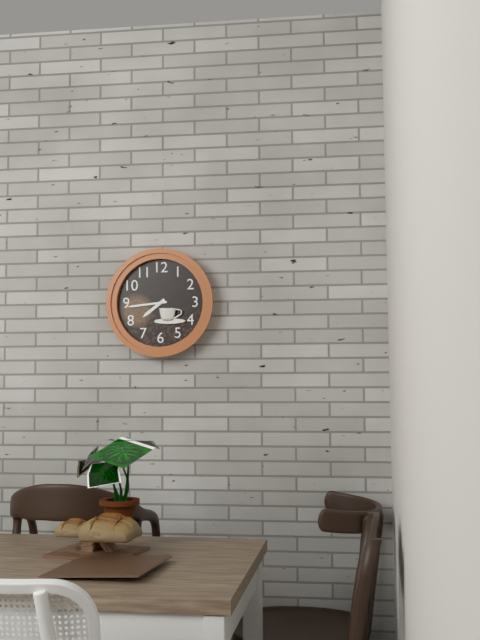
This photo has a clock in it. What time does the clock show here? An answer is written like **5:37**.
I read **7:44**
